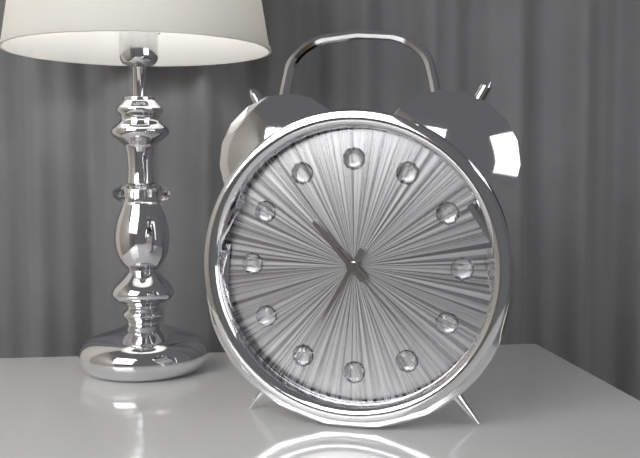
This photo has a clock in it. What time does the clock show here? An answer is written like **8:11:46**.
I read **10:35:23**
